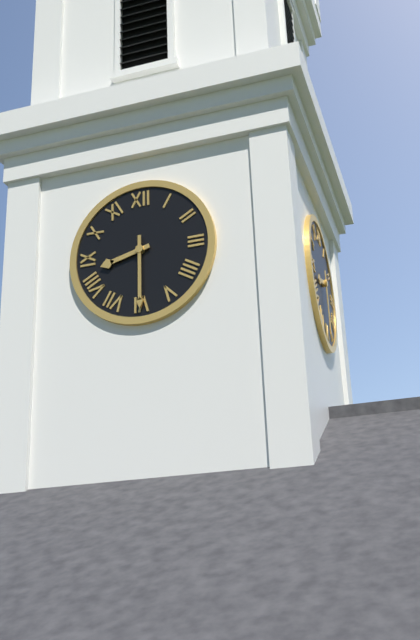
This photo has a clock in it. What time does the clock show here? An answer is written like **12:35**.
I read **8:30**
